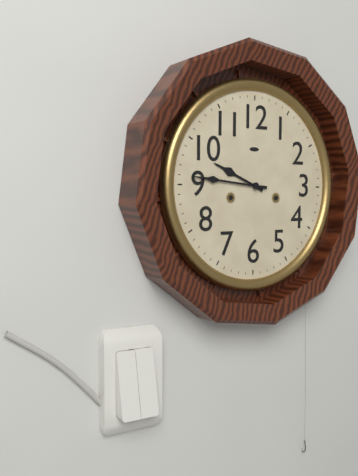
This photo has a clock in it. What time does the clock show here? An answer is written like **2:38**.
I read **9:46**
